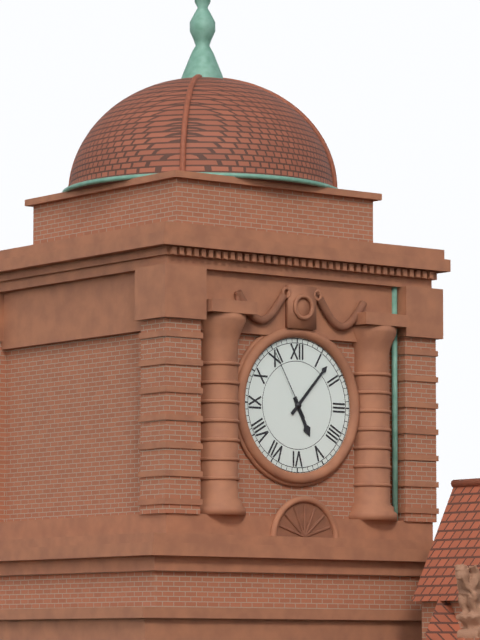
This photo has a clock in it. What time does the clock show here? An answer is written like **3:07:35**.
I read **5:07:55**
